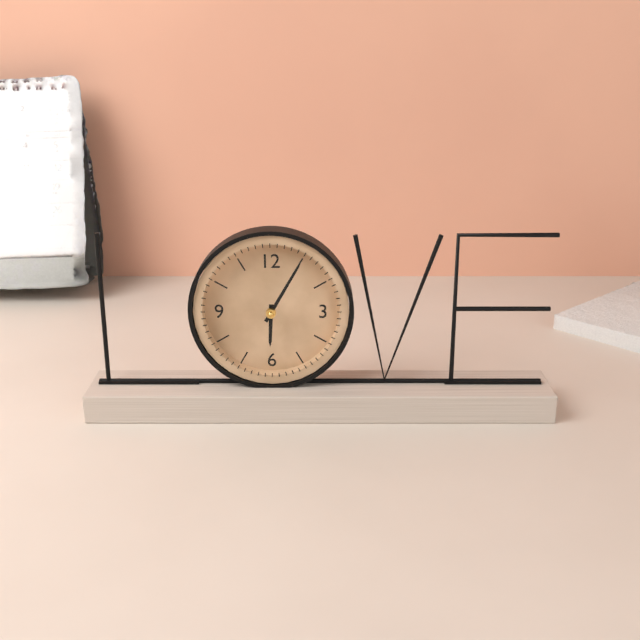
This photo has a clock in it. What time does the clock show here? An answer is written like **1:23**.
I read **6:05**
